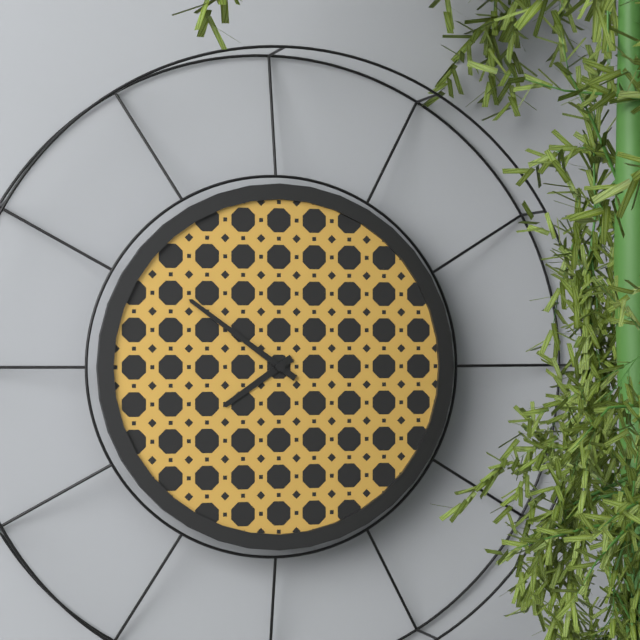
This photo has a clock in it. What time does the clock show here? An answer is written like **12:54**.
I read **7:51**
